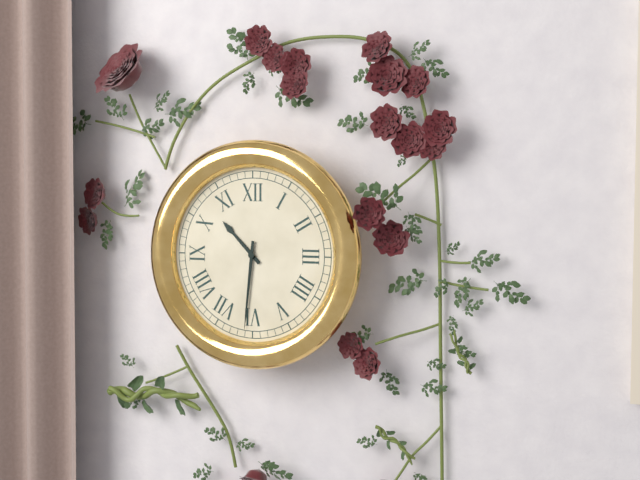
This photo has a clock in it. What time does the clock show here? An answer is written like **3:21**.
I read **10:31**
